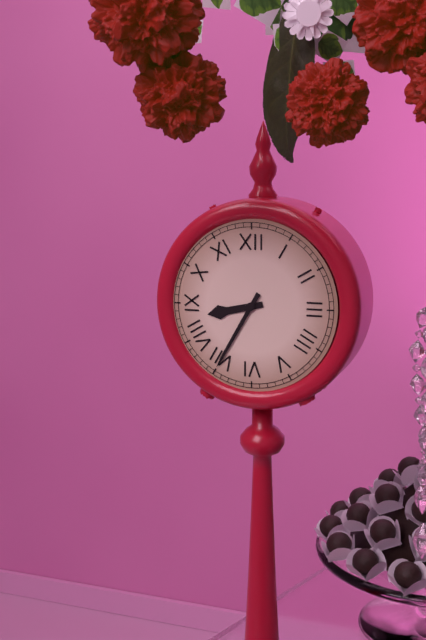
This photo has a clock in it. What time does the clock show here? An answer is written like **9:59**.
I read **8:35**
